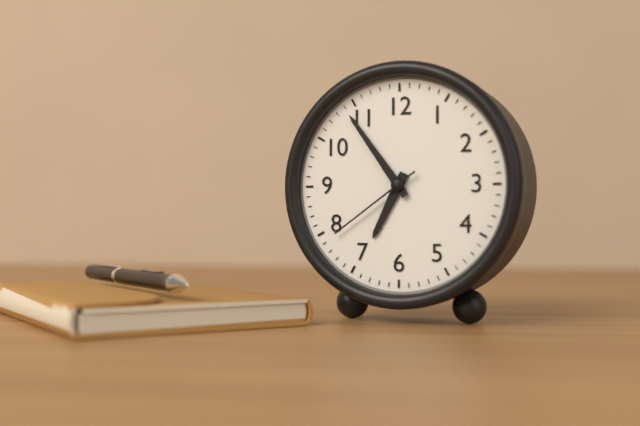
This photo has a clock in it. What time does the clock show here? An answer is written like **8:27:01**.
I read **6:54:39**
